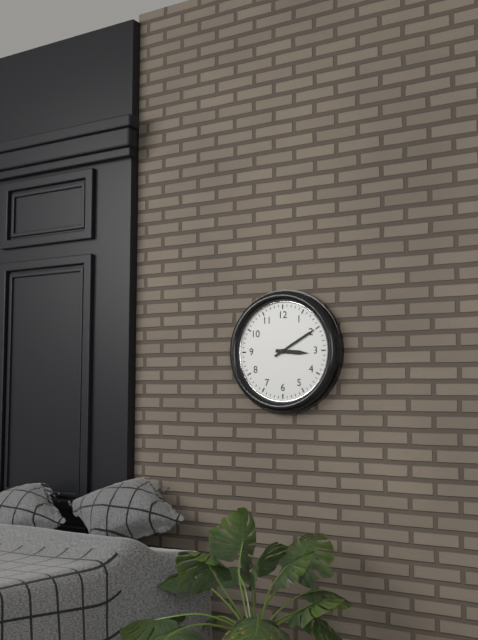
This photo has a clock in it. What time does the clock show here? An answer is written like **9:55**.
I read **3:10**
